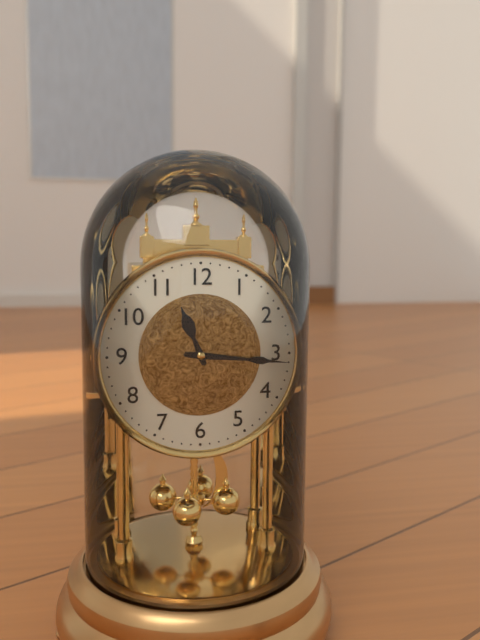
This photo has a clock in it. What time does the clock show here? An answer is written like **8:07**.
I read **11:16**
